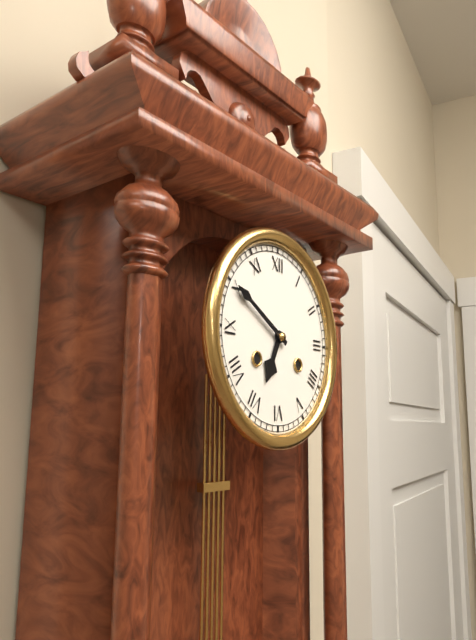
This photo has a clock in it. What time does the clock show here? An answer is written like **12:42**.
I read **6:50**
